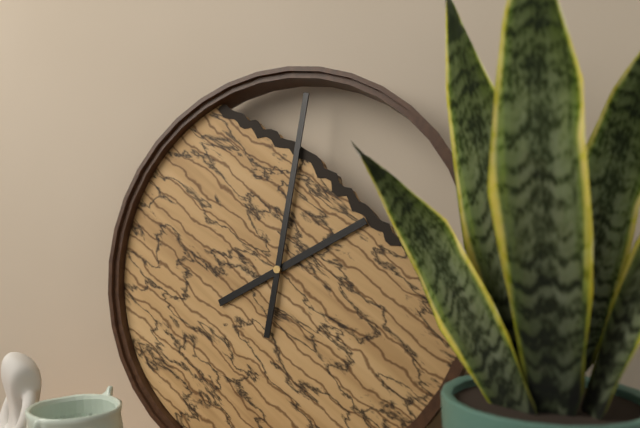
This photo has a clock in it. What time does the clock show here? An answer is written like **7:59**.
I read **2:01**
